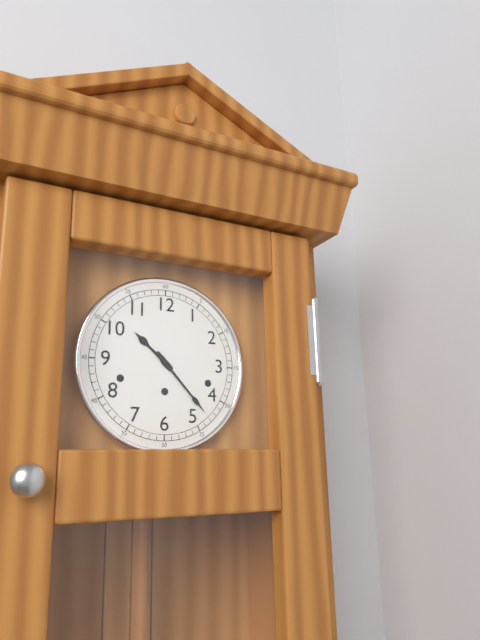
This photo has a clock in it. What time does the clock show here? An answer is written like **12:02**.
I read **10:23**
